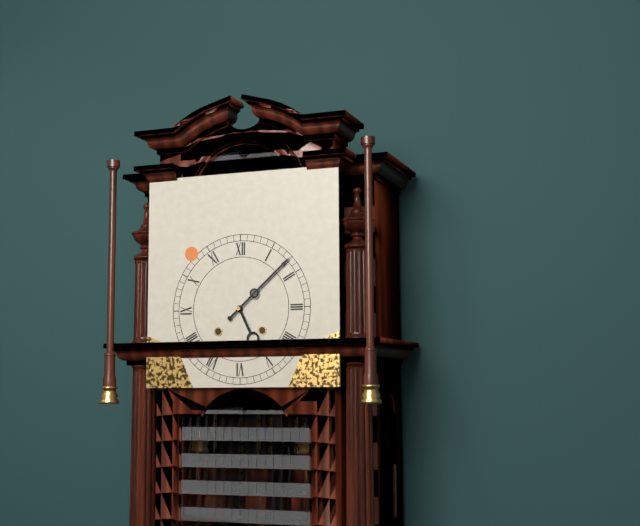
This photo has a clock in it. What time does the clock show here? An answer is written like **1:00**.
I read **5:08**
